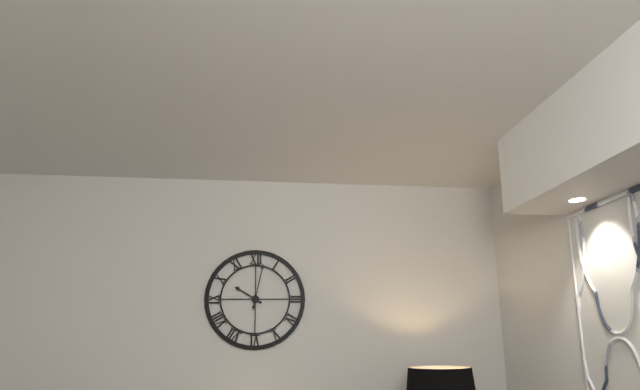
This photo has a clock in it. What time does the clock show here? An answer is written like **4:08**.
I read **10:02**
